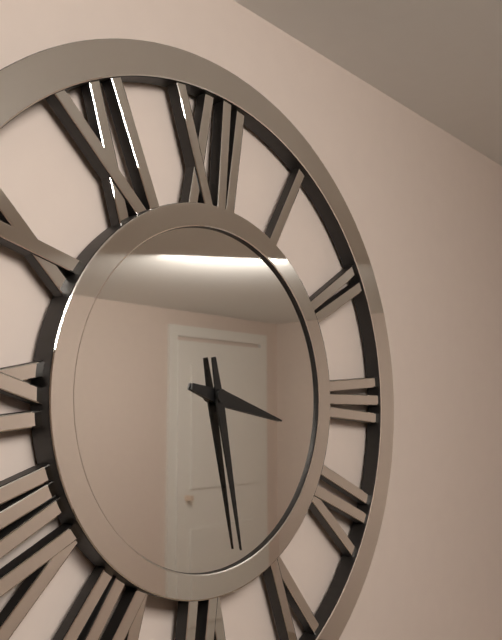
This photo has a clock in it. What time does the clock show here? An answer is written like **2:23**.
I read **3:28**
